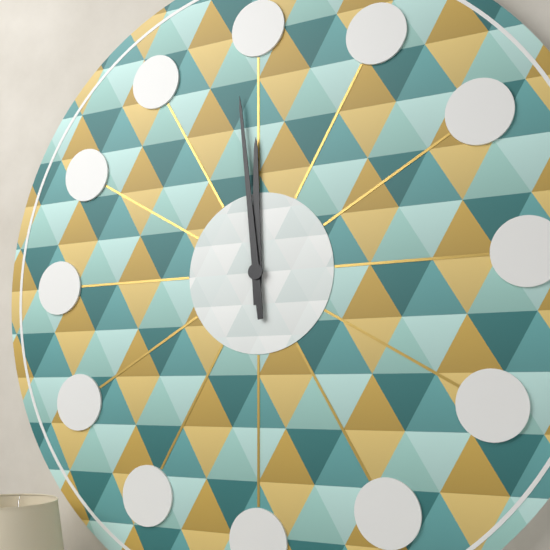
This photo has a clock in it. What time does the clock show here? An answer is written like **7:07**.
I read **11:59**
